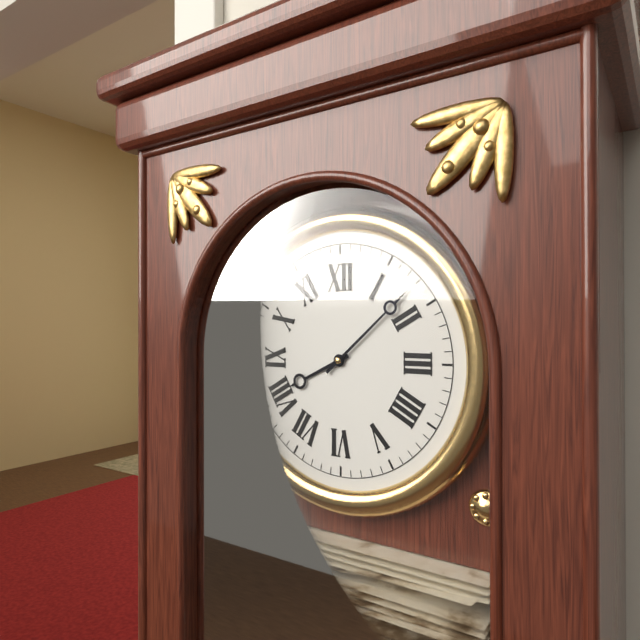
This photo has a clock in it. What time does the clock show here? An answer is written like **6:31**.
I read **8:08**
